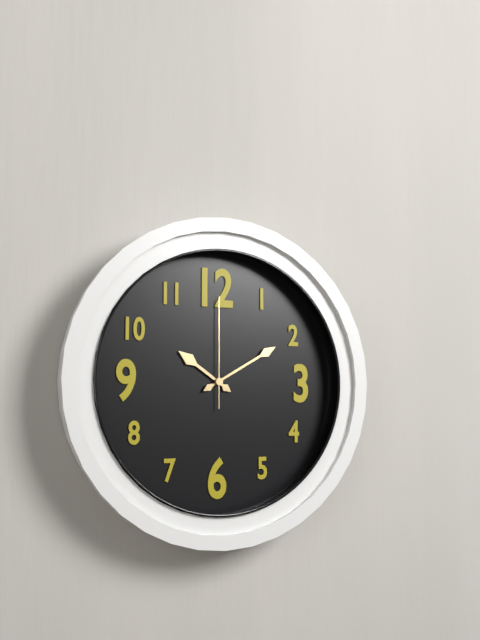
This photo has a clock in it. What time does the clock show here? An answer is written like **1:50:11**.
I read **10:10:00**
